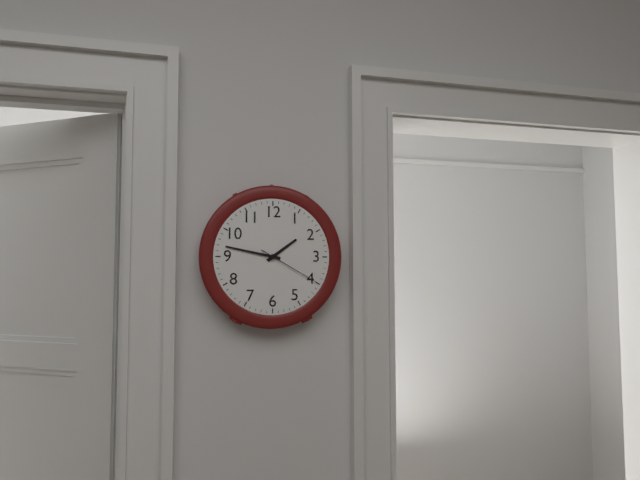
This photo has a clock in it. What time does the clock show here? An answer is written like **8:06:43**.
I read **1:47:20**
